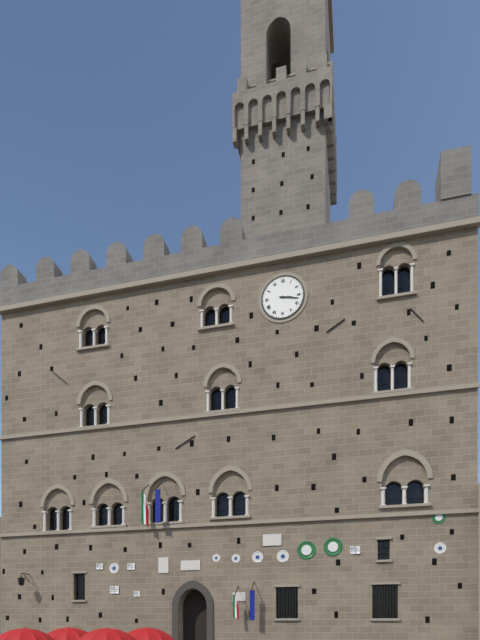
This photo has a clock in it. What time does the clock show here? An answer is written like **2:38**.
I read **3:17**
